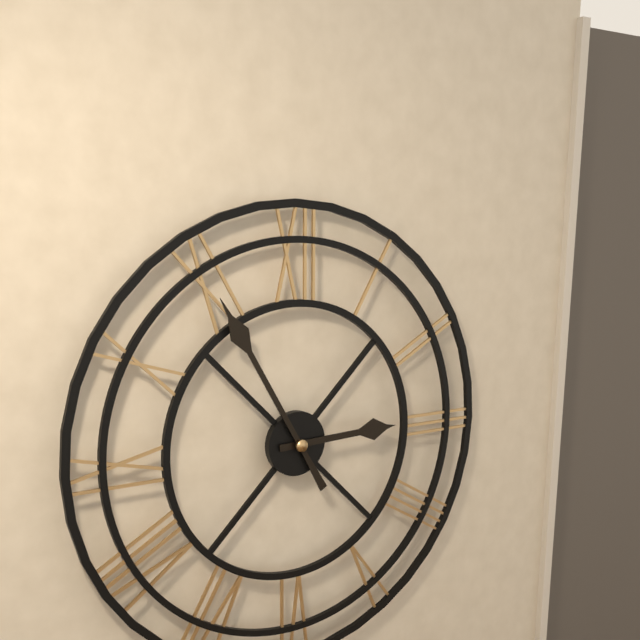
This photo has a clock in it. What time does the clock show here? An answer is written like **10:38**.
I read **2:55**
